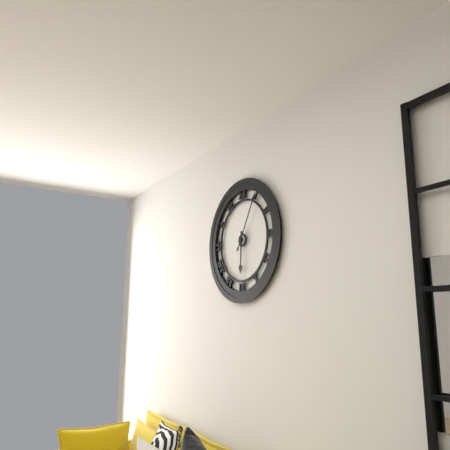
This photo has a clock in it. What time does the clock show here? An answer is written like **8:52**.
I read **6:05**
